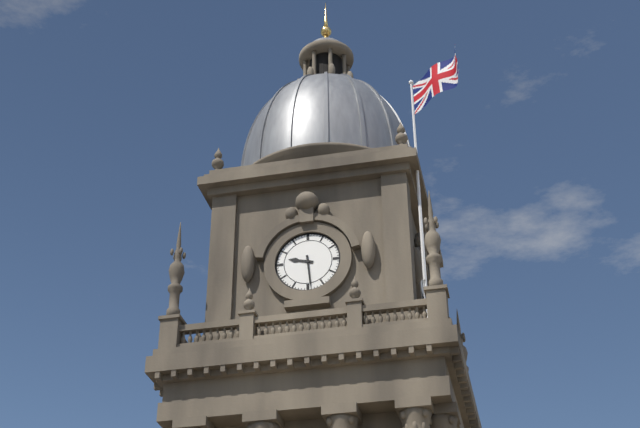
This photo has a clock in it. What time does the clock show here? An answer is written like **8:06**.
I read **9:29**
